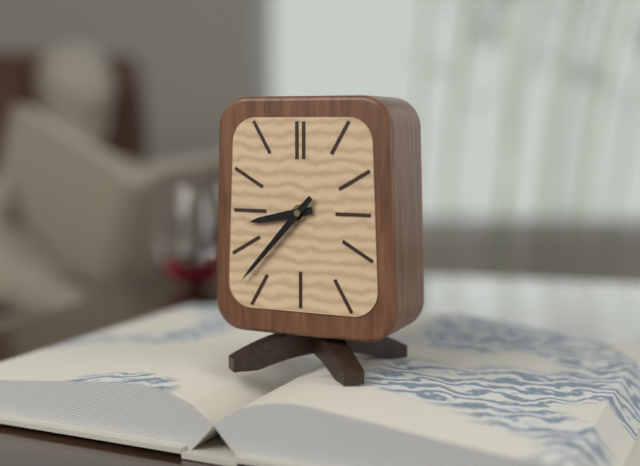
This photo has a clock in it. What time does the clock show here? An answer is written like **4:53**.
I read **8:37**
